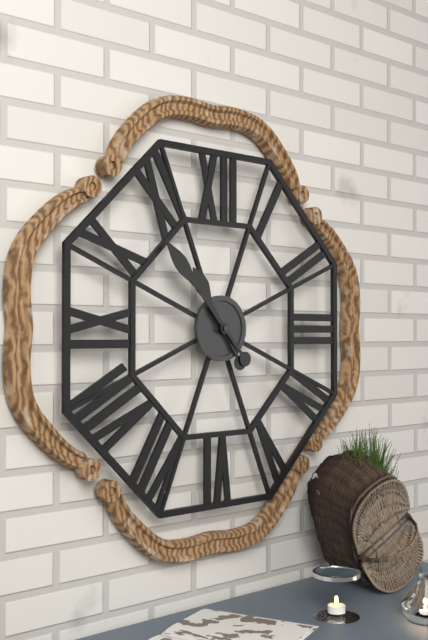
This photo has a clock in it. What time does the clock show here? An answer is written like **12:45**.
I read **10:53**
